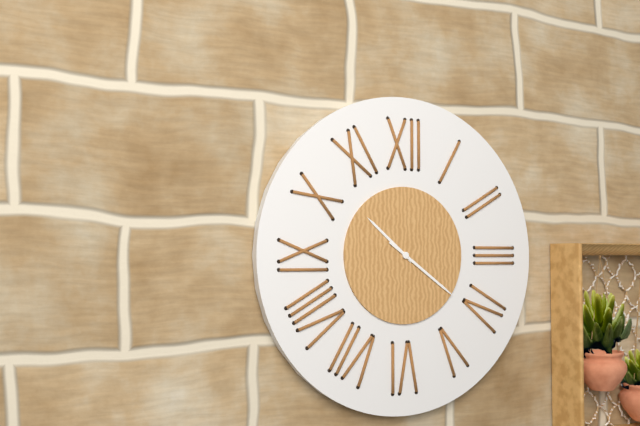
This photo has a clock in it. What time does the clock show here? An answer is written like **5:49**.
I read **10:21**
